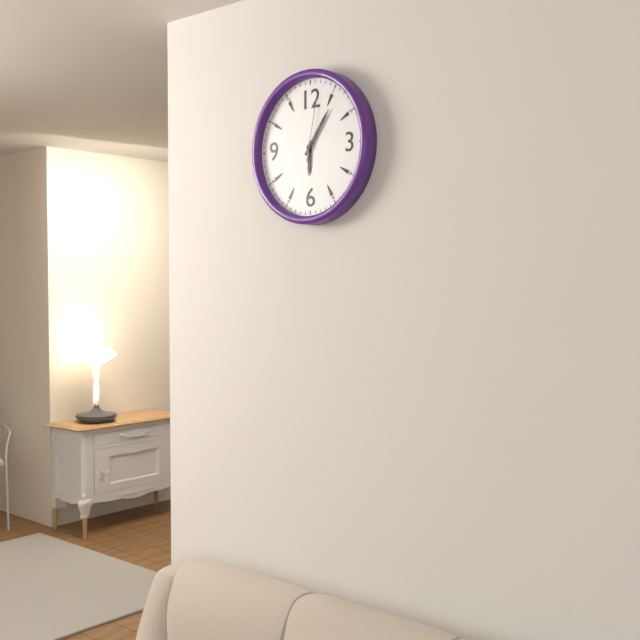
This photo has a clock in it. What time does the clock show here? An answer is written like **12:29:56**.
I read **6:06:02**
